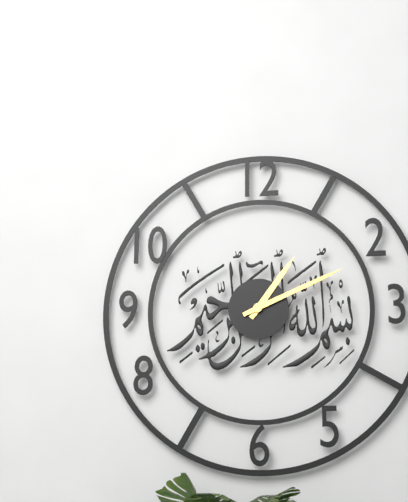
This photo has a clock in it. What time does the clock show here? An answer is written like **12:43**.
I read **1:11**
